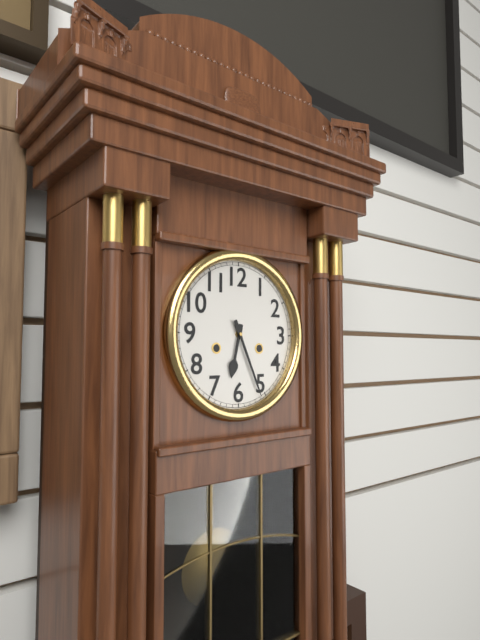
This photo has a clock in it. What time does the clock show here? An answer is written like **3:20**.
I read **6:26**
